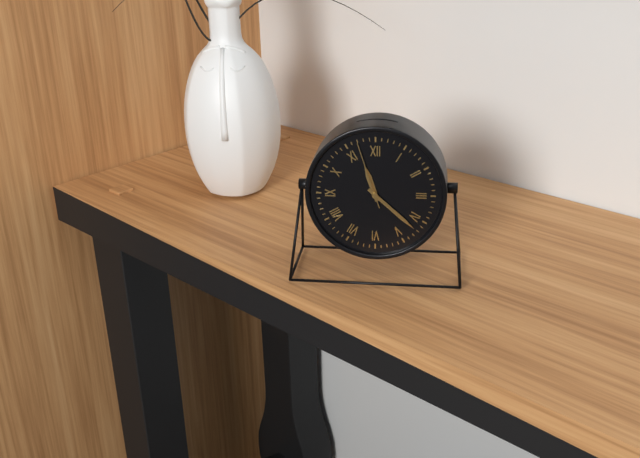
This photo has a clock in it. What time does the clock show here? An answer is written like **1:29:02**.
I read **11:22:57**
